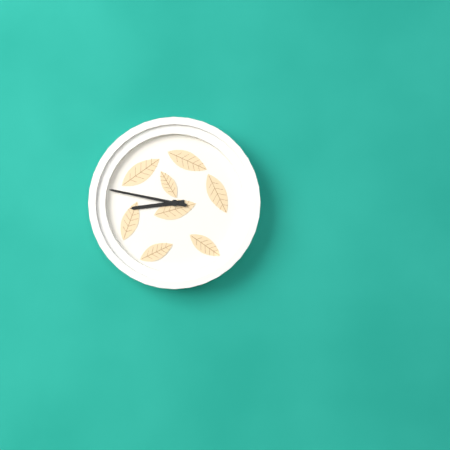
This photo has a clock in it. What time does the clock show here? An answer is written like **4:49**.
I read **8:47**
